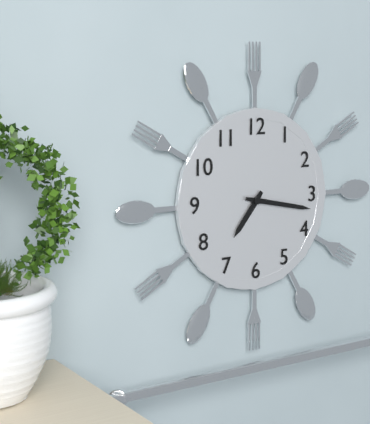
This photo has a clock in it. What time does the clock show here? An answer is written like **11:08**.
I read **7:17**
